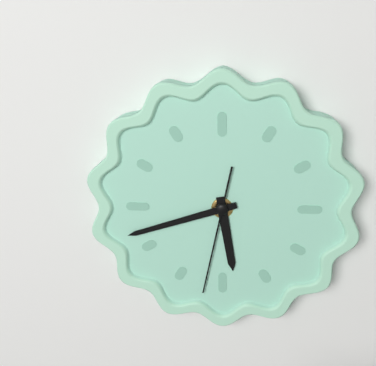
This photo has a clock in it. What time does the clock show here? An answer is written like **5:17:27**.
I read **5:42:32**
